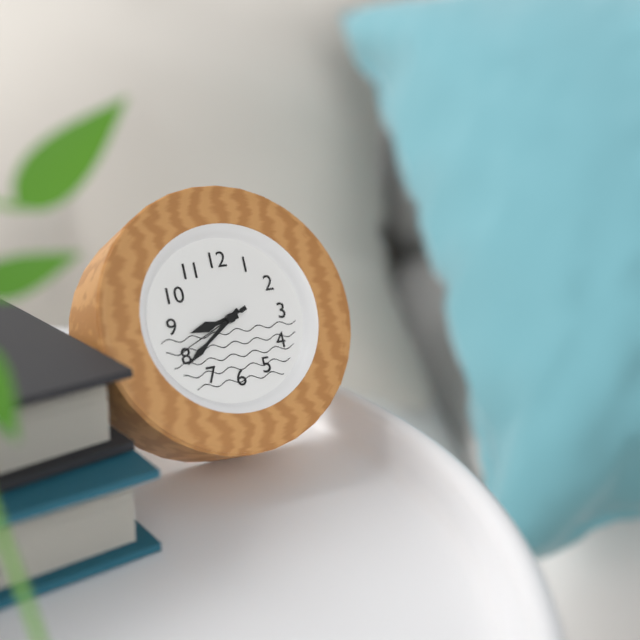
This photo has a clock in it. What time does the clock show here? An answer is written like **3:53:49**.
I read **8:39:41**
